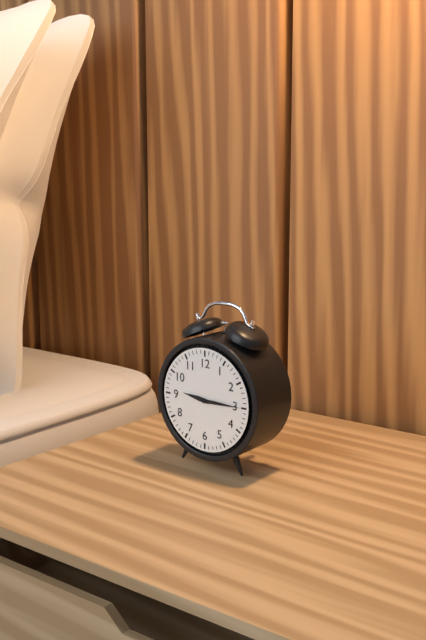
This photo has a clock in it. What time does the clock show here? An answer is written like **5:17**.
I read **9:15**
